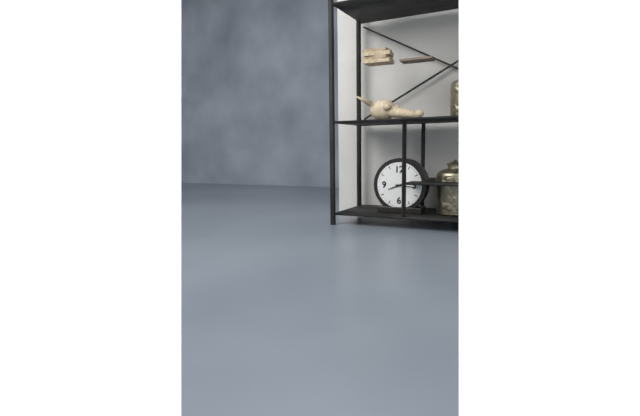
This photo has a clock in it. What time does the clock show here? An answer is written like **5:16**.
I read **8:16**
